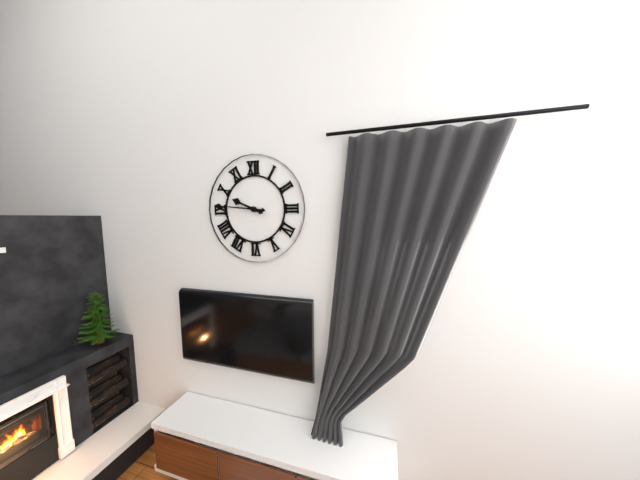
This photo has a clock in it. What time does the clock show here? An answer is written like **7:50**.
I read **9:46**
